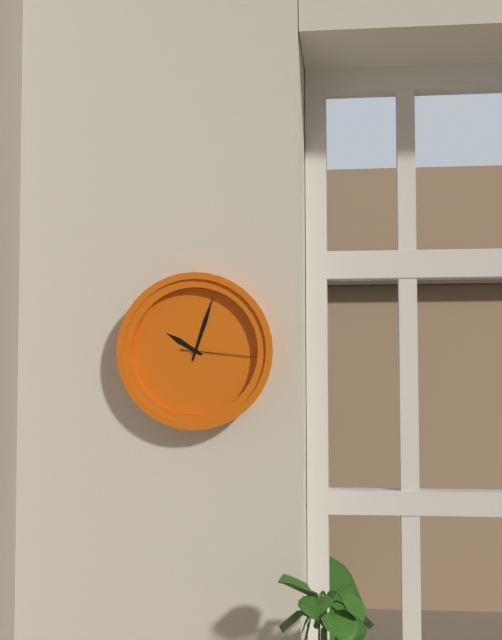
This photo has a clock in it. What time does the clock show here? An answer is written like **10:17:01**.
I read **10:03:16**
